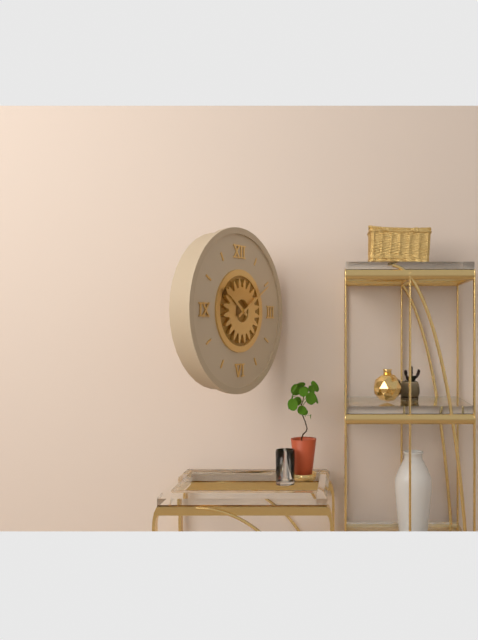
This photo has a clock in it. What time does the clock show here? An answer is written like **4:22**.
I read **10:10**
